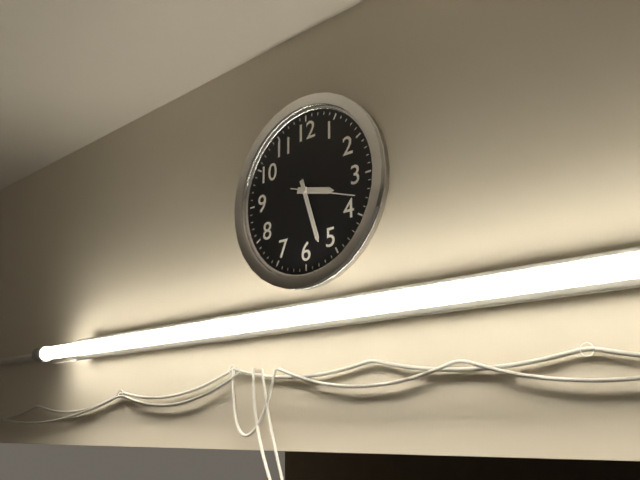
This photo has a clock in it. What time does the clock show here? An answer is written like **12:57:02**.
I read **3:27:18**
